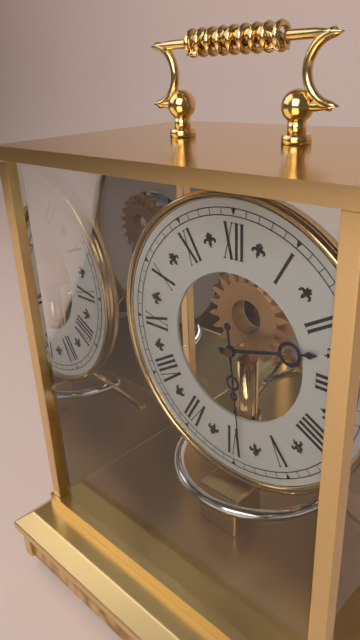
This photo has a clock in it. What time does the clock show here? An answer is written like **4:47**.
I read **2:29**
